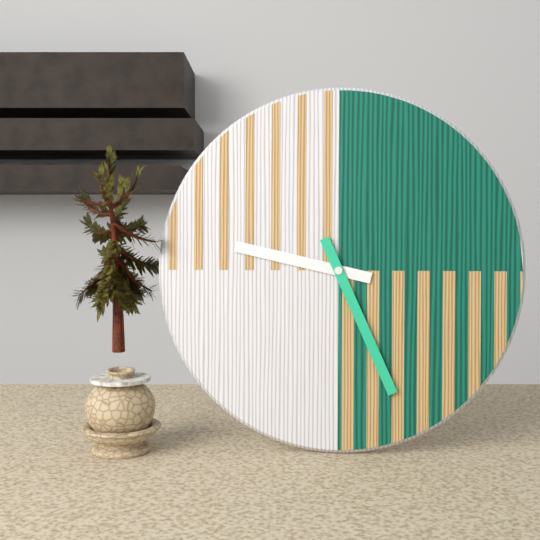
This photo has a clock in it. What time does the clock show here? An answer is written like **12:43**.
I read **9:26**
